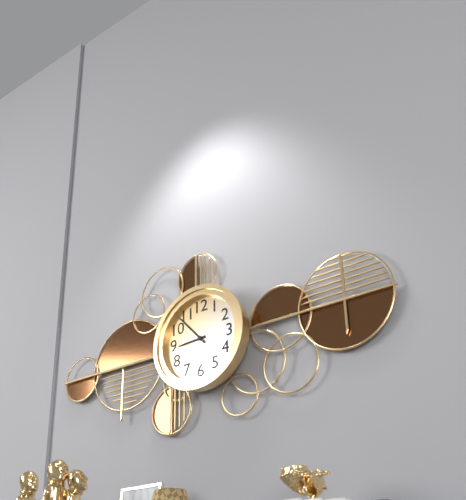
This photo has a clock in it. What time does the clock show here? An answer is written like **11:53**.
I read **8:53**
